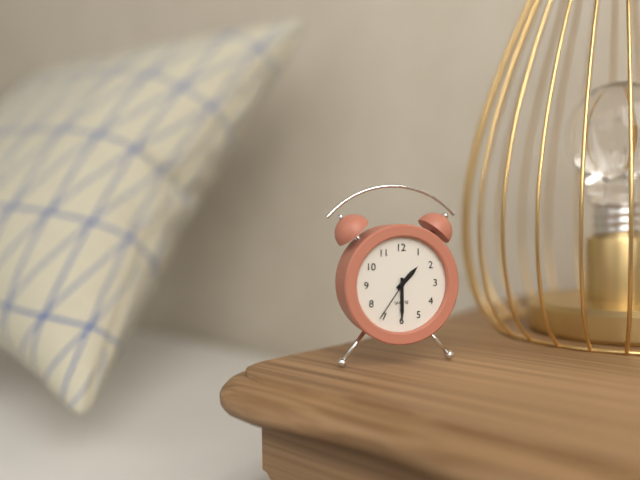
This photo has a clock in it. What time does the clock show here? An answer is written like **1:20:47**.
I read **1:30:36**
